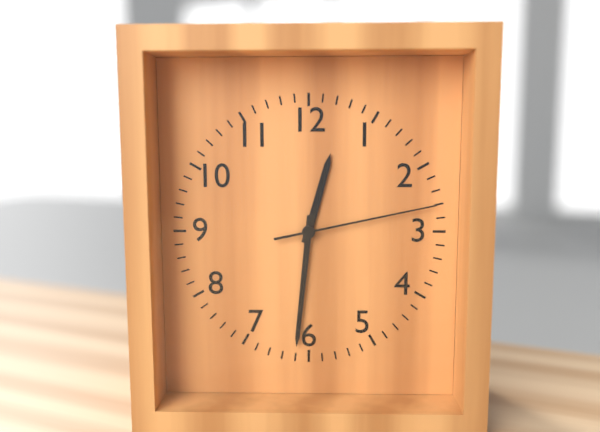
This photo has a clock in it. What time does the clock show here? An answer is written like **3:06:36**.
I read **12:31:13**
